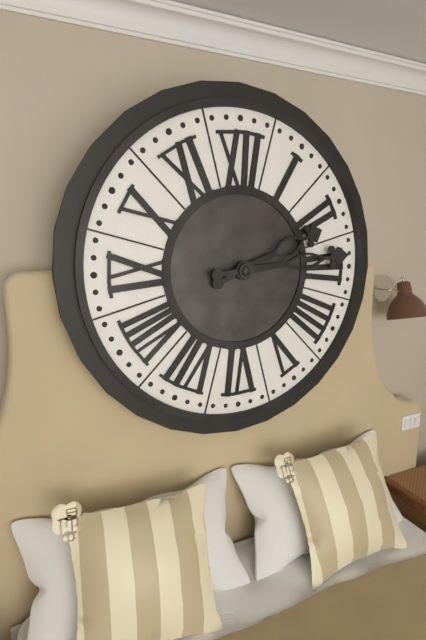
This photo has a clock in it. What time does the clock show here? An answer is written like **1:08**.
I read **2:14**
